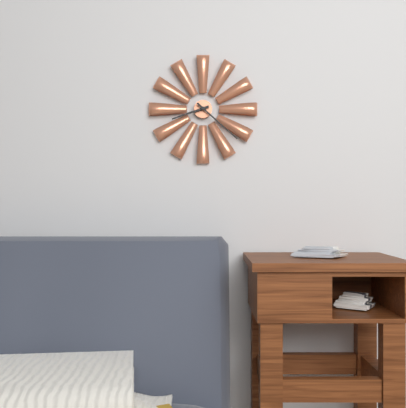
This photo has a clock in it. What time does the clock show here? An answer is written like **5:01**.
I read **8:22**
